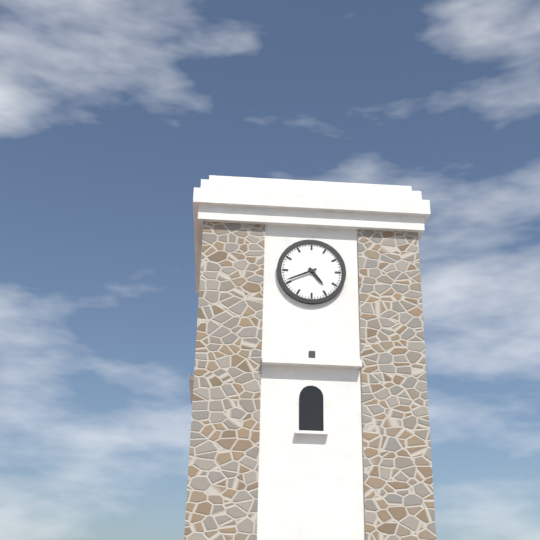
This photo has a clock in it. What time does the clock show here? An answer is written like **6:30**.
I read **4:41**
